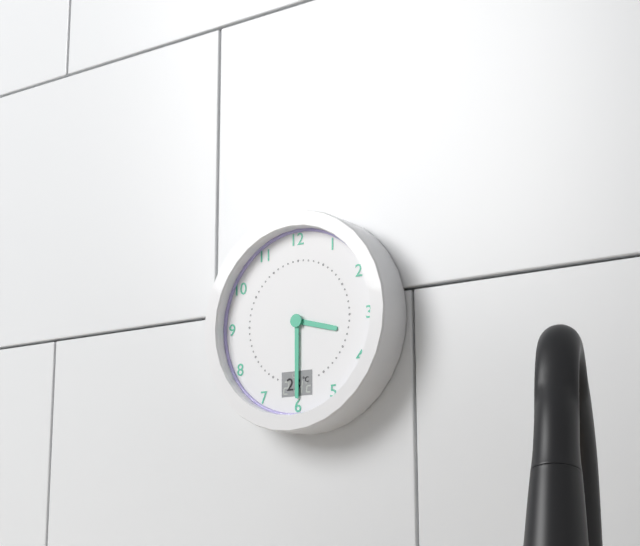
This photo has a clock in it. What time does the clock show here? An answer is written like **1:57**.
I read **3:30**
